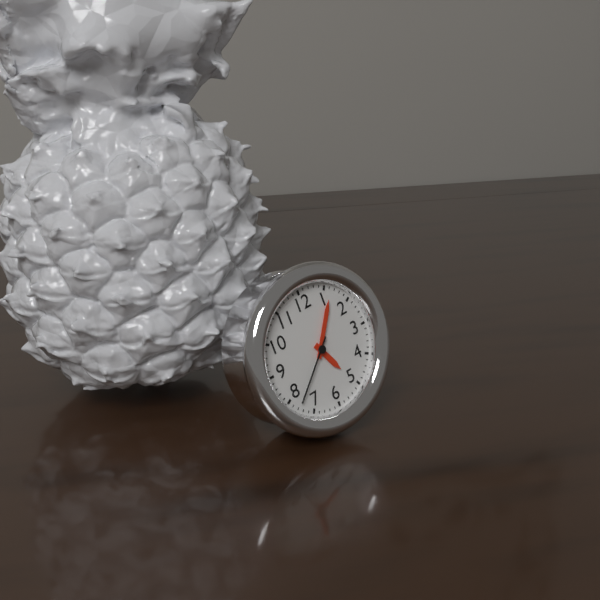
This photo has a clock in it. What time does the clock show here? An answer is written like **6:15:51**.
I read **5:06:38**
